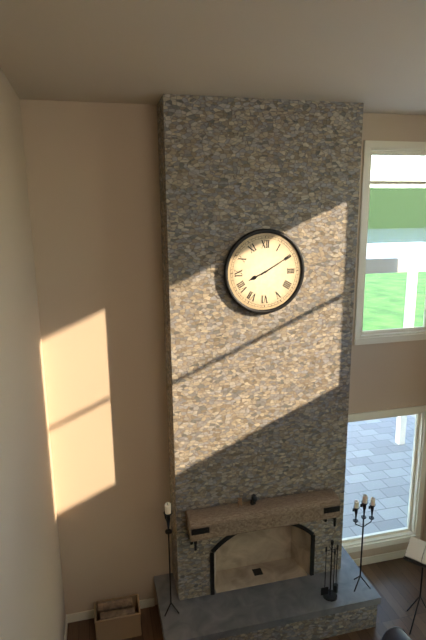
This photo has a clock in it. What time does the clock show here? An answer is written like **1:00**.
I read **8:10**
